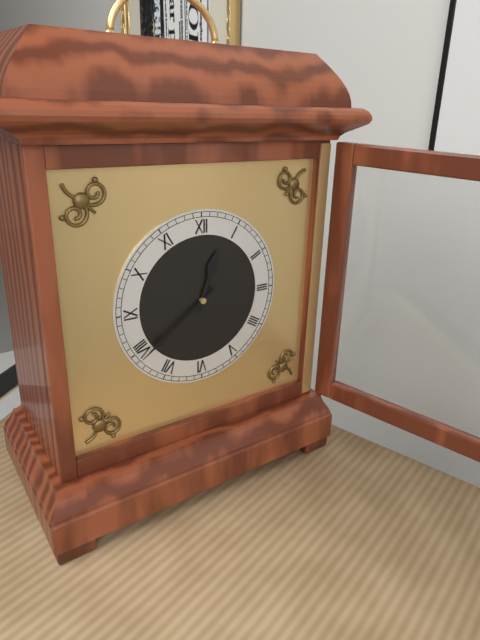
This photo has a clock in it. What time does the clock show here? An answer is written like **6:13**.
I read **12:39**
